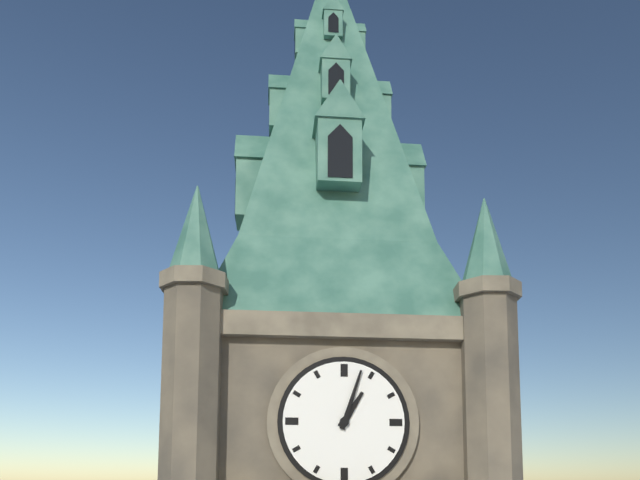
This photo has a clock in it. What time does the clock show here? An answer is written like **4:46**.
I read **1:03**
